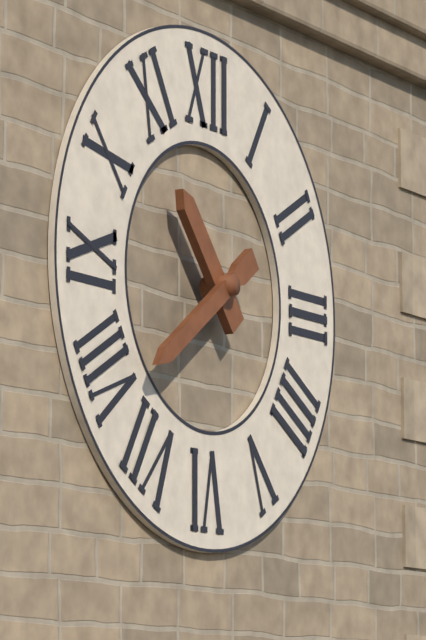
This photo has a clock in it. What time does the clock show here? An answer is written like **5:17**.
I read **10:39**
